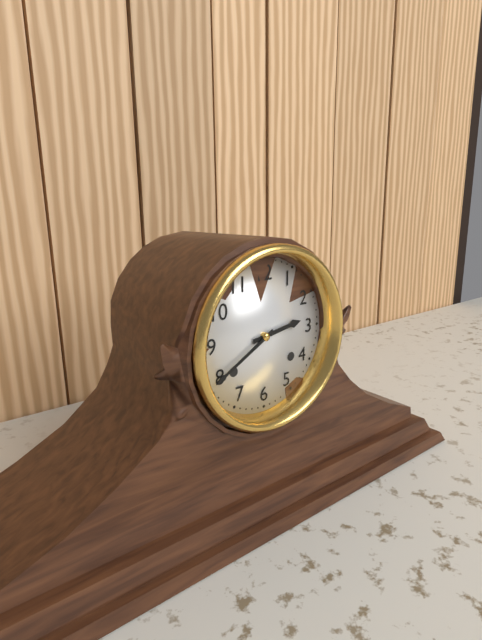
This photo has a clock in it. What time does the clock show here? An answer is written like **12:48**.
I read **2:40**
